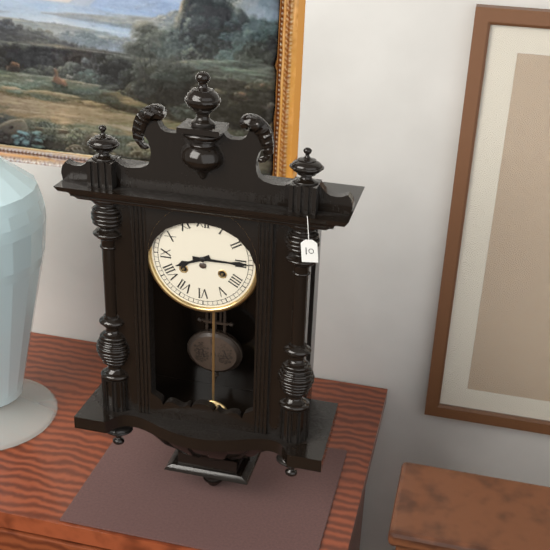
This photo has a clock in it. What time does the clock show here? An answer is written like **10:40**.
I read **8:15**
